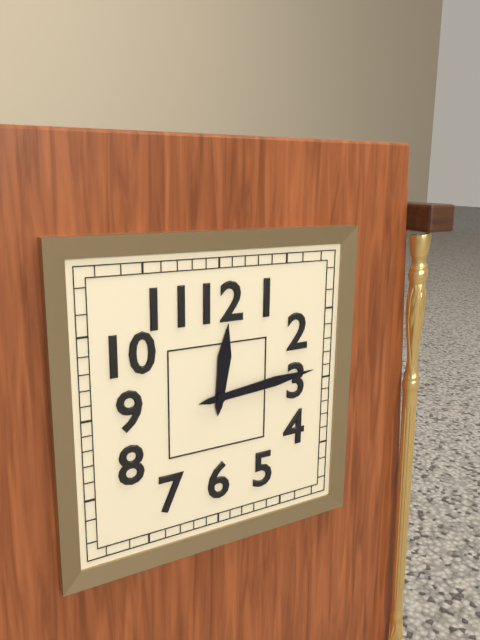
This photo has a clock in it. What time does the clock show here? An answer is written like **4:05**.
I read **12:14**
